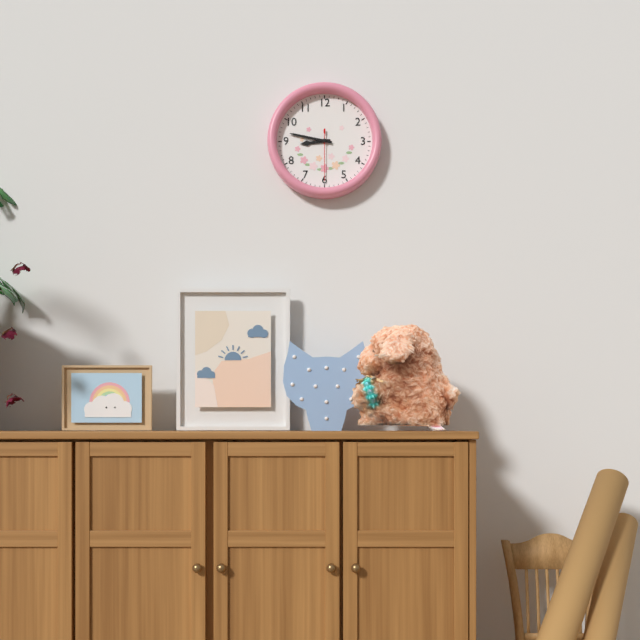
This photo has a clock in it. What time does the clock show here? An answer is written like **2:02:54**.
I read **8:47:30**
